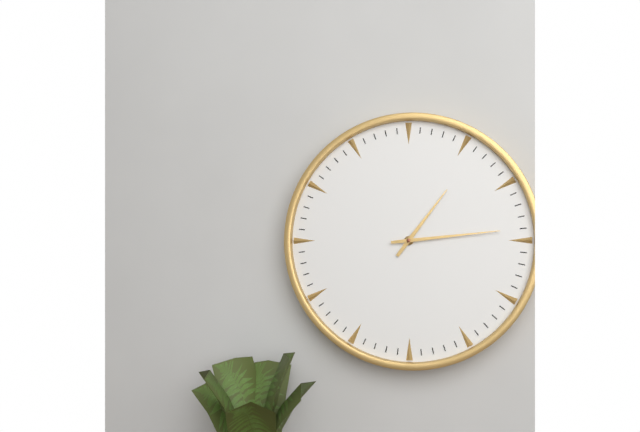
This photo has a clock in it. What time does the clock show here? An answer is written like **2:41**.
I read **1:14**
